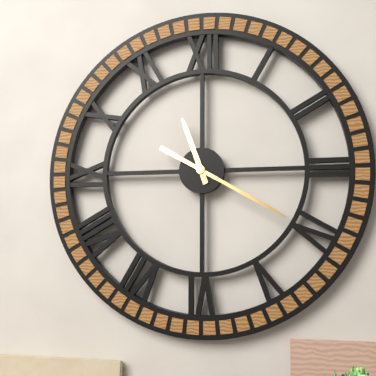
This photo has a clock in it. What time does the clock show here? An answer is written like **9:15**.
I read **11:20**
